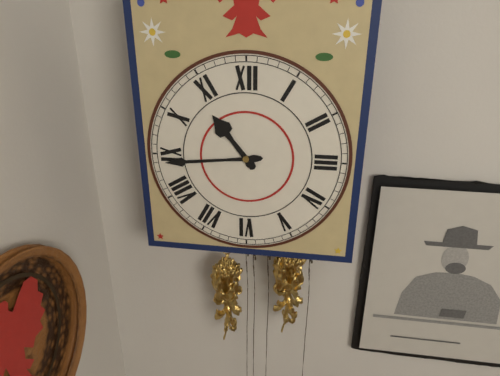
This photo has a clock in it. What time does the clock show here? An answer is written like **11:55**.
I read **10:44**
